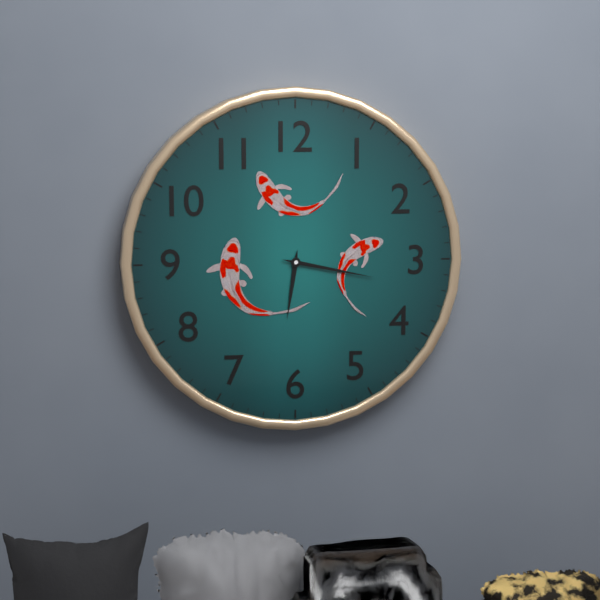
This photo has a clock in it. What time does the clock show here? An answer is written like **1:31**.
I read **6:17**
